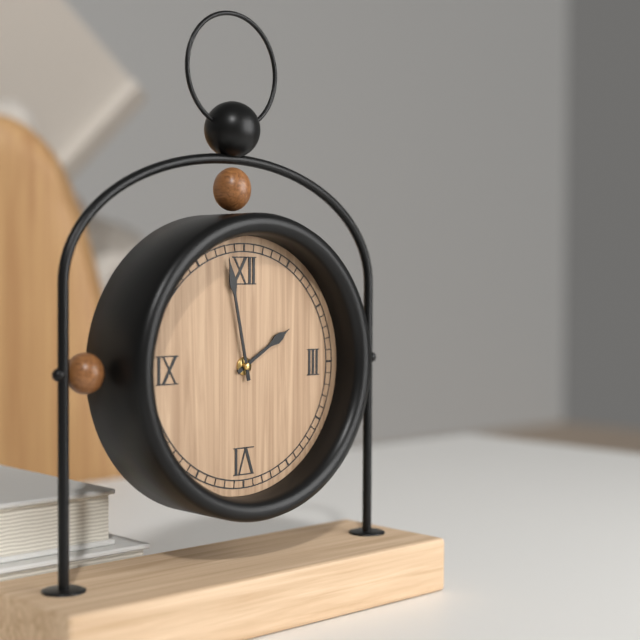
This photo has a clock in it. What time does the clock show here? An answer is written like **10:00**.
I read **1:58**
